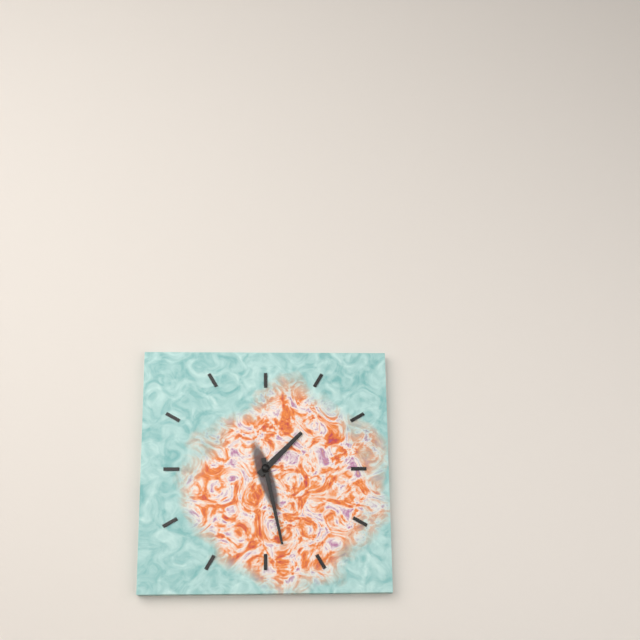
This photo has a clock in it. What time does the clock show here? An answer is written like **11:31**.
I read **1:28**
